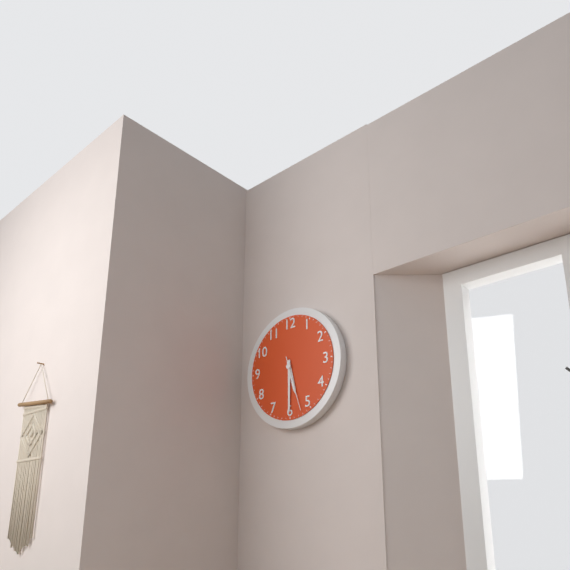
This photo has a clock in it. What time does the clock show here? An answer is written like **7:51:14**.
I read **5:30:27**
